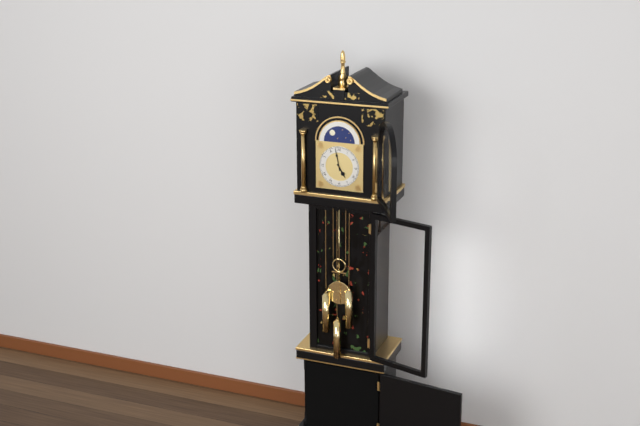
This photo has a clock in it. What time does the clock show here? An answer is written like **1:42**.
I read **4:58**
